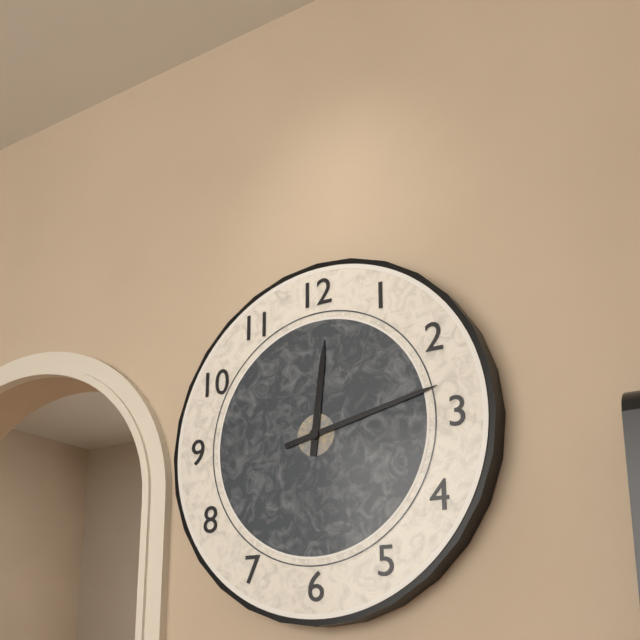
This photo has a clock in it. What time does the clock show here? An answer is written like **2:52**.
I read **12:13**
